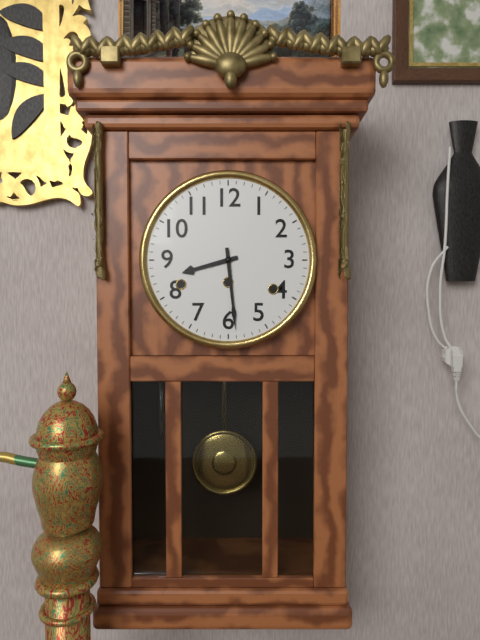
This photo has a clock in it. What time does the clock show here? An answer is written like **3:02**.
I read **8:29**
